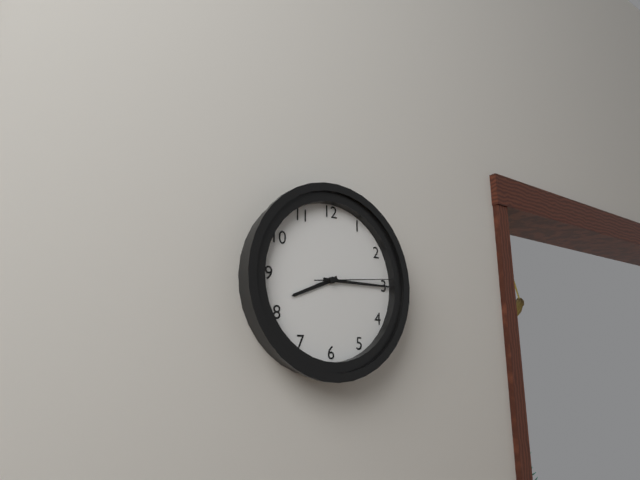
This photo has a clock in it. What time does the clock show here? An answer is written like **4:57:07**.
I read **8:15:14**
